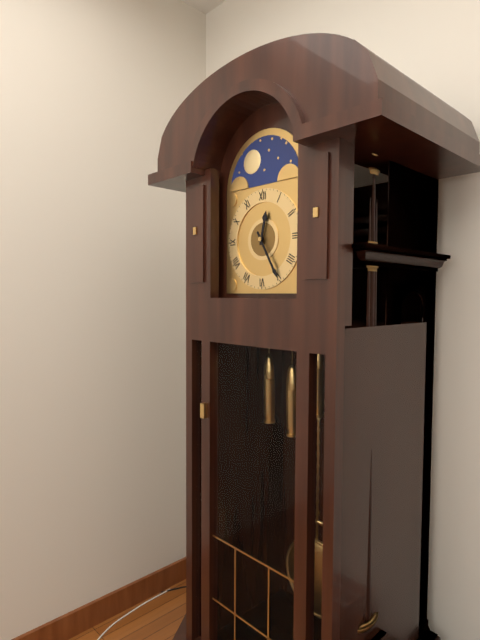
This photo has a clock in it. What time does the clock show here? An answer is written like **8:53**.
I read **12:25**
